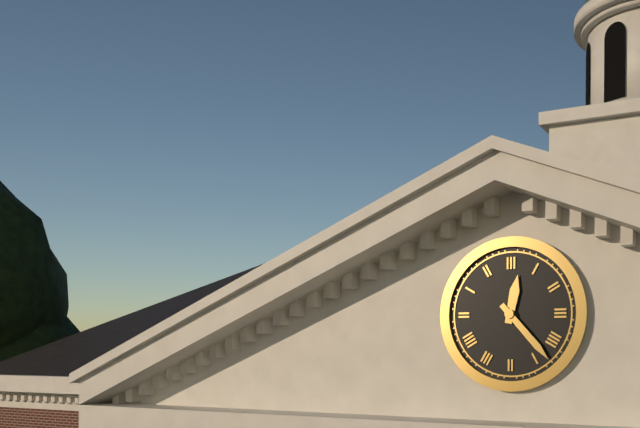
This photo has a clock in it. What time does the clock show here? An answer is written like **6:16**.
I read **12:23**
